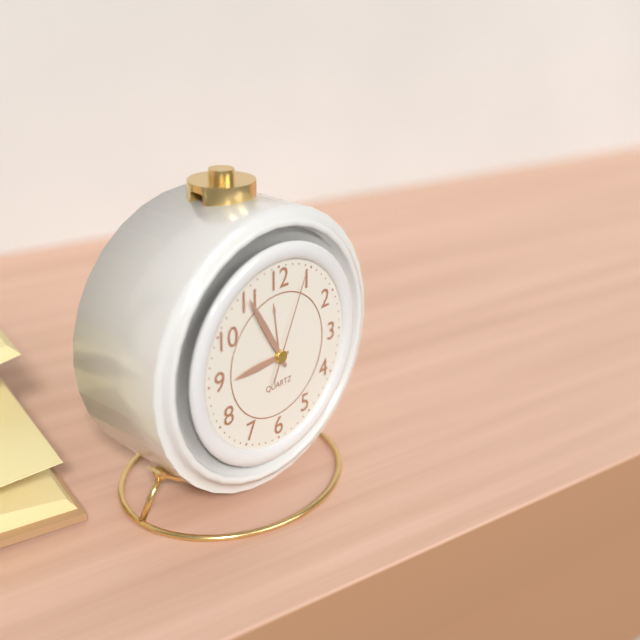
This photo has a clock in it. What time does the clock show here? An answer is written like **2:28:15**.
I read **8:55:04**
